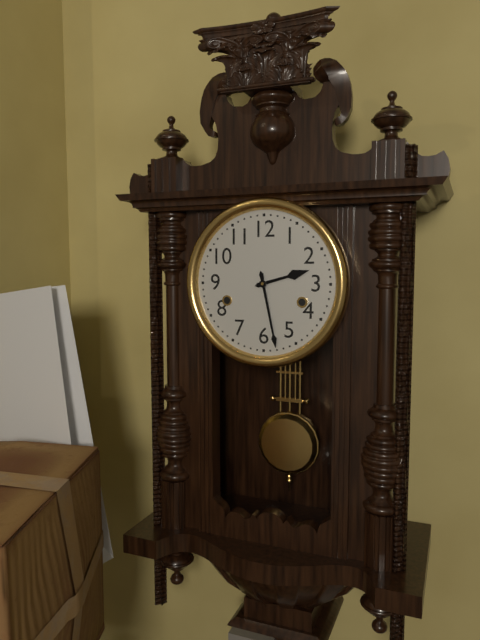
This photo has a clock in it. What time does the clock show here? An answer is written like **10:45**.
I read **2:28**
